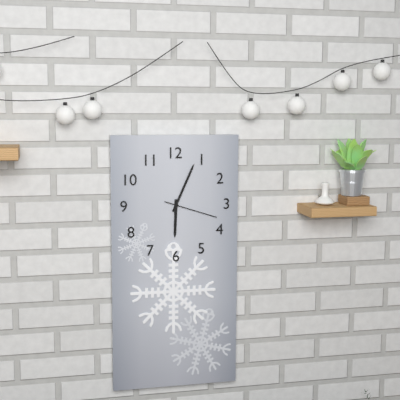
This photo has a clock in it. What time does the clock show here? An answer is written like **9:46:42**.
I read **6:04:18**
